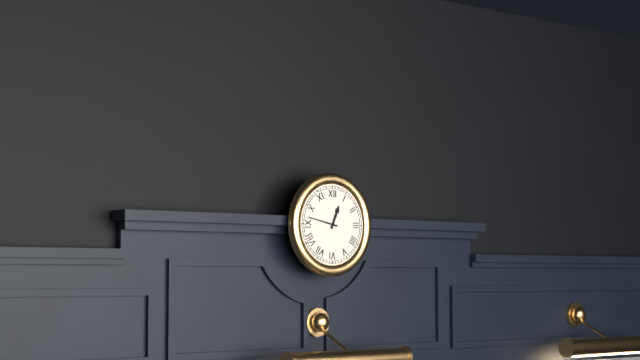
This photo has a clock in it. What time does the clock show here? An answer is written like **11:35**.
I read **12:47**
